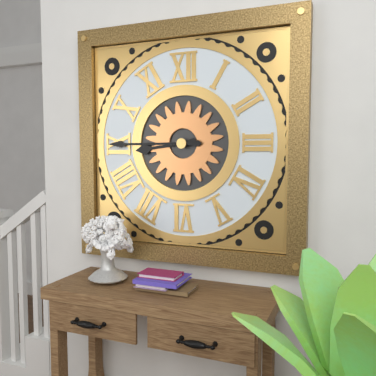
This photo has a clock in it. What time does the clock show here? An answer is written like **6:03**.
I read **8:45**
